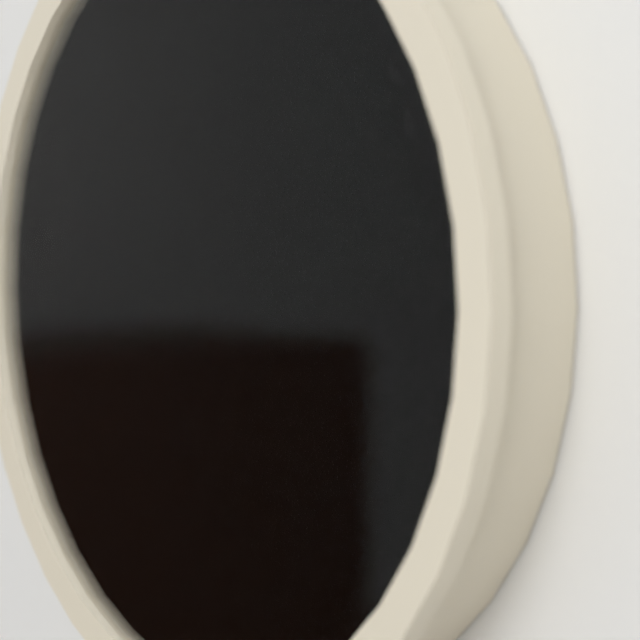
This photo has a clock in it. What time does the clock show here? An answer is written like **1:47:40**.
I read **2:04:12**
